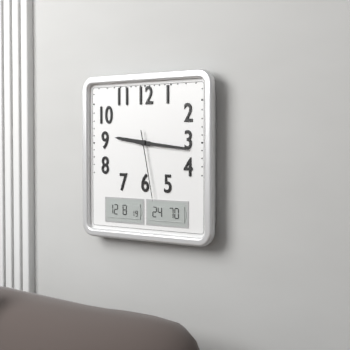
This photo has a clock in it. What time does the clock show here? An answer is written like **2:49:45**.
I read **9:16:28**
